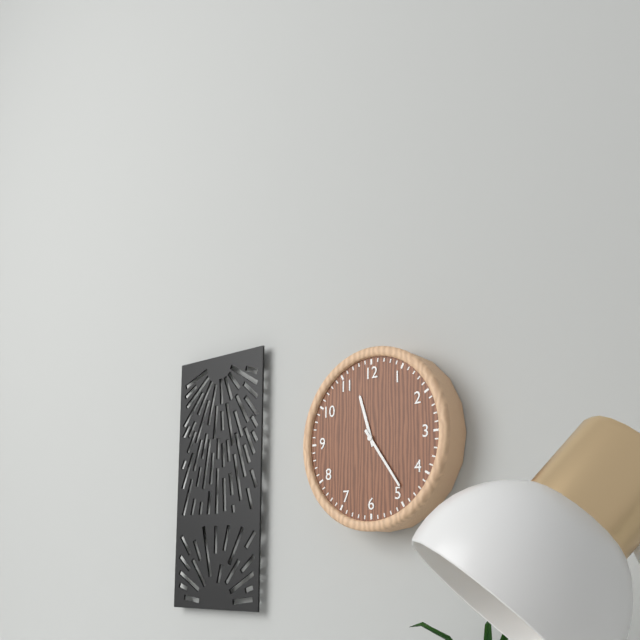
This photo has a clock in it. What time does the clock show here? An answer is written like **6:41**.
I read **11:24**
